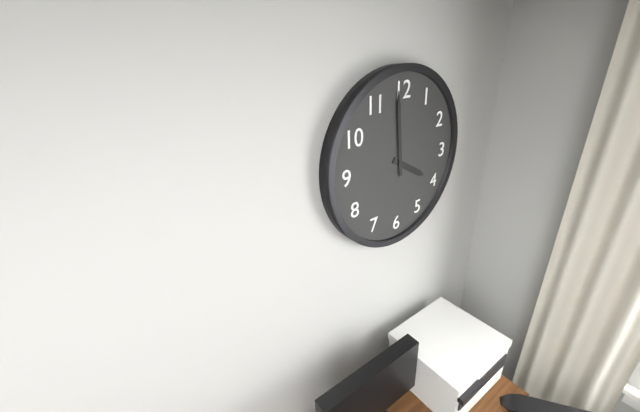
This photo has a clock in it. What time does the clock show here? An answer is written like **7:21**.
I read **3:59**
